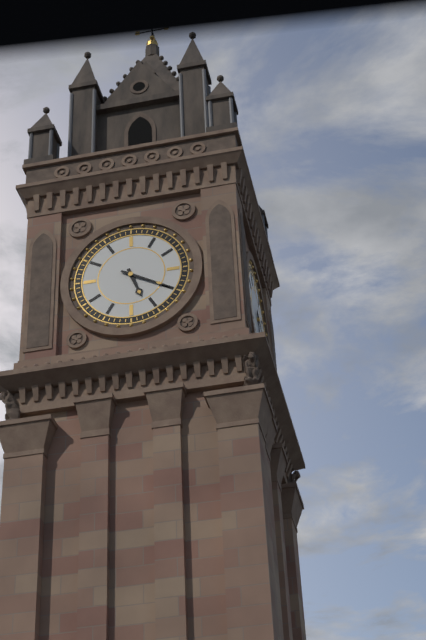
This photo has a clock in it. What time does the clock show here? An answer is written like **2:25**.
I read **5:20**
